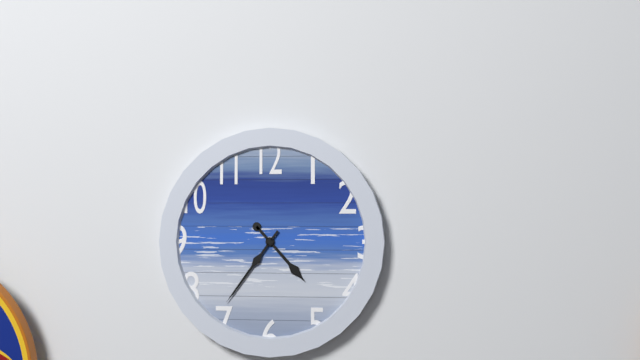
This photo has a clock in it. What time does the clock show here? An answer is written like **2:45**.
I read **4:36**
